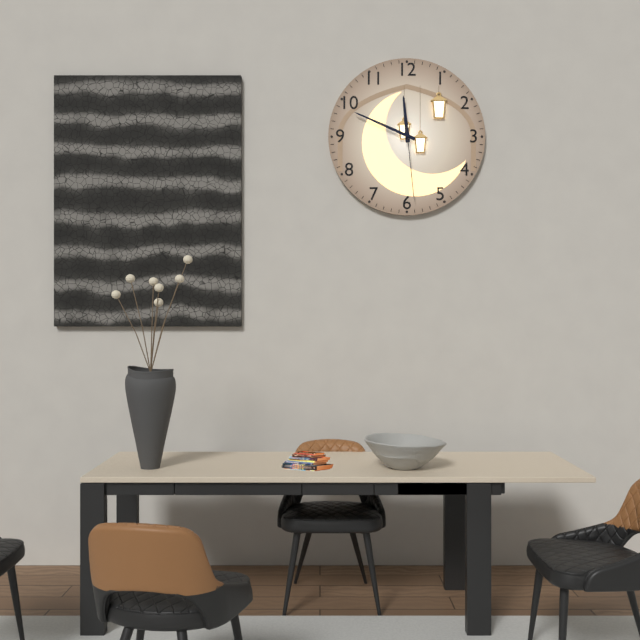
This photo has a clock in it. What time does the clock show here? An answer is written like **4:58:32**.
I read **11:49:29**
